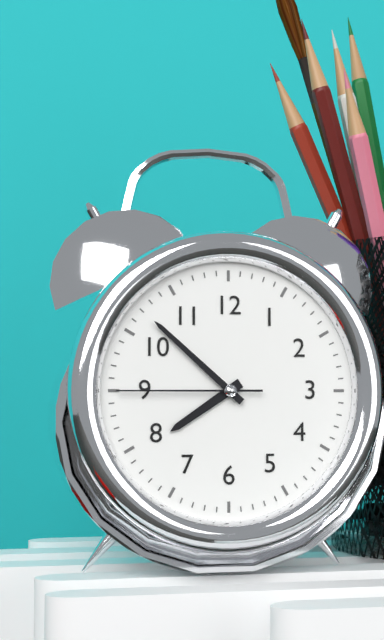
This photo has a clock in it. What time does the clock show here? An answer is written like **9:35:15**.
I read **7:52:45**
